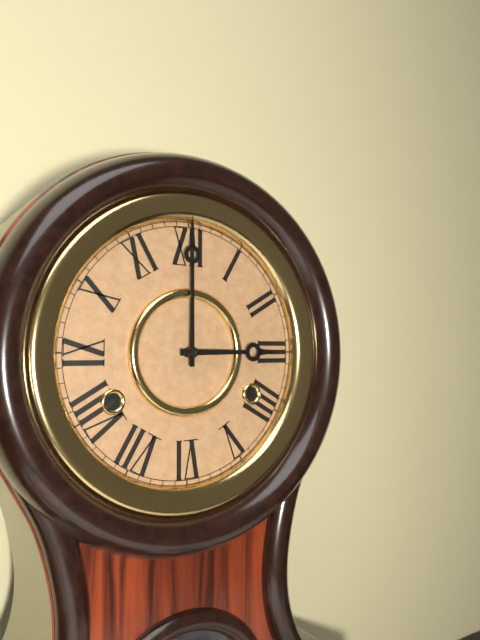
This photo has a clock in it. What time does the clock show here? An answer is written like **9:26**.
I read **3:00**
